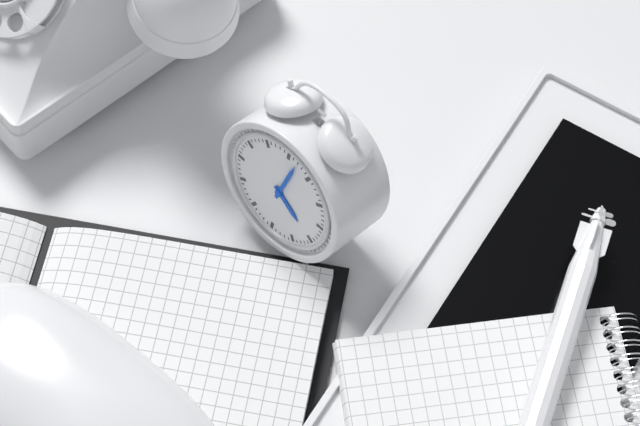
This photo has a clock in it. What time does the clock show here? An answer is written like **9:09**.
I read **4:02**
